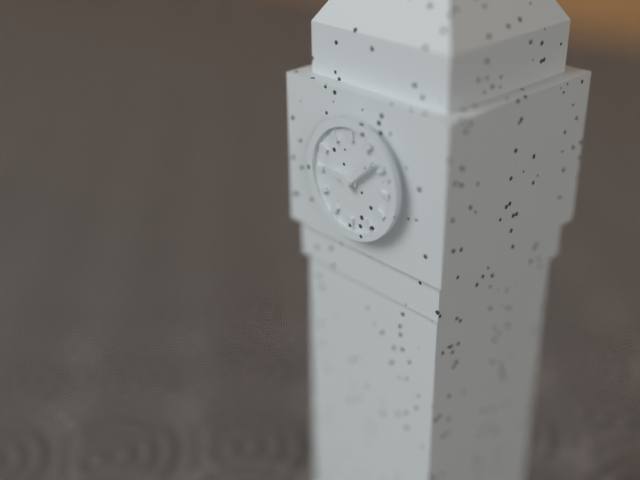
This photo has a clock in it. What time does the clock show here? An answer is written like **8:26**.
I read **9:08**
